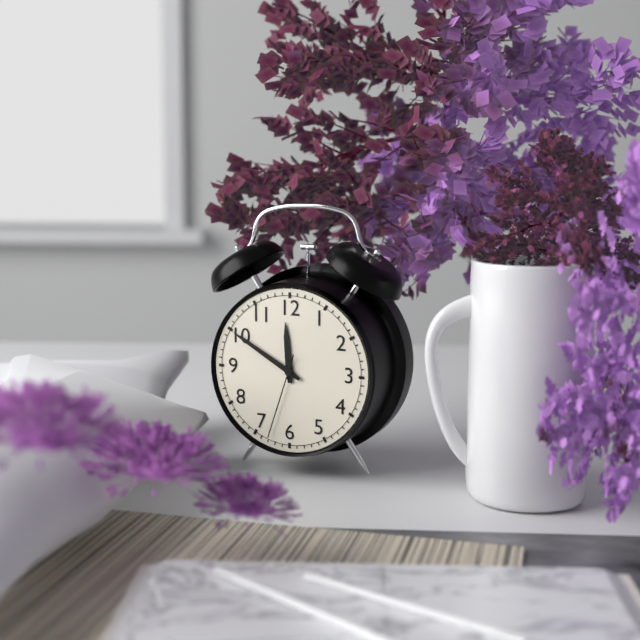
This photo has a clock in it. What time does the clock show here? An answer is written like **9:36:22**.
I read **11:50:33**
